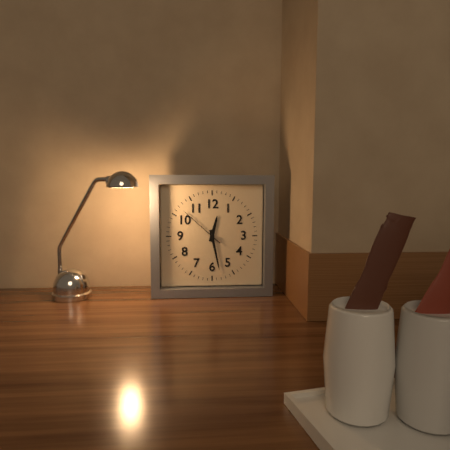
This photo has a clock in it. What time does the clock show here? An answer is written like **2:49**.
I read **12:28**
